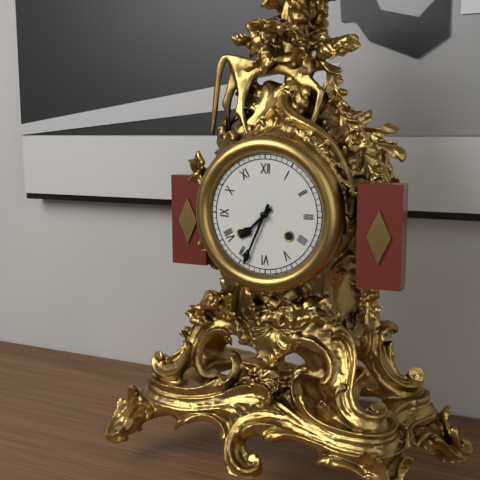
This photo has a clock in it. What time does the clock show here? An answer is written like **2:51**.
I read **7:34**
